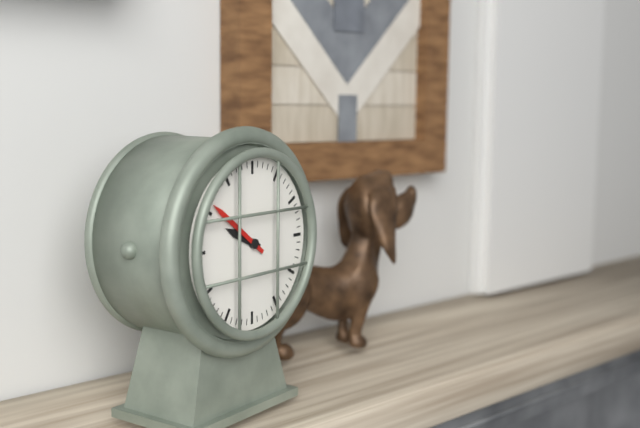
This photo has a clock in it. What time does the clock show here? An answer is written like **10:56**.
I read **9:51**
